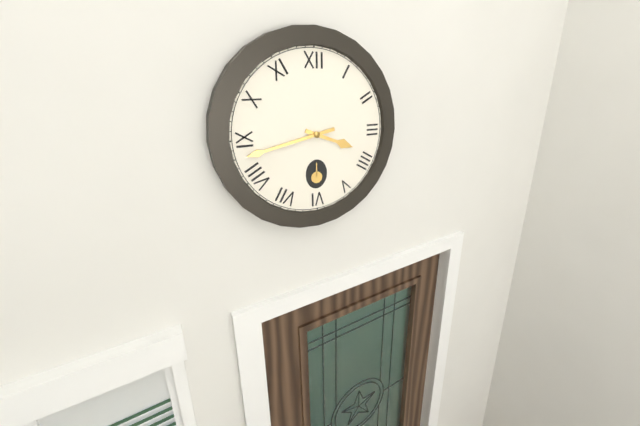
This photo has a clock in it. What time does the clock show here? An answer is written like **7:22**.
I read **3:43**
